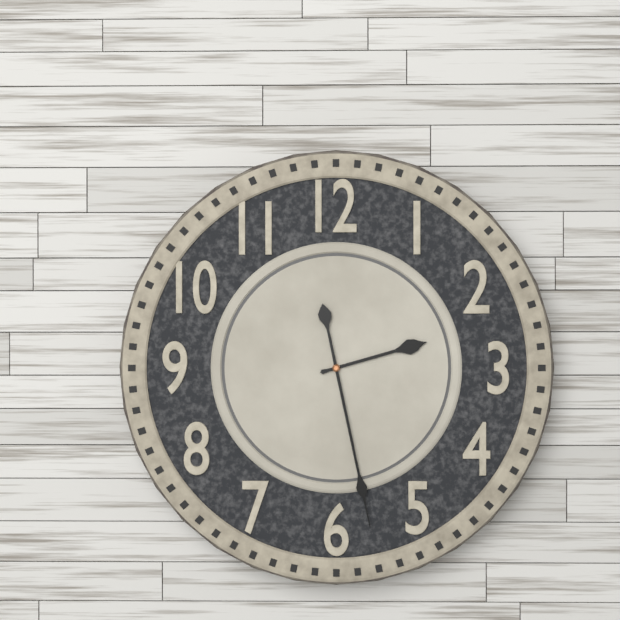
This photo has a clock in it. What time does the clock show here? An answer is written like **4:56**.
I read **2:28**
